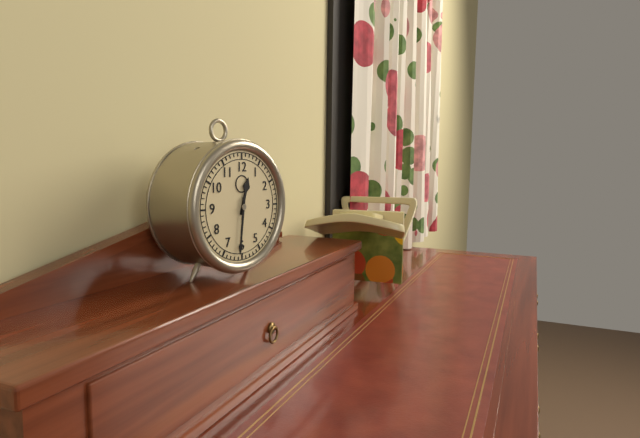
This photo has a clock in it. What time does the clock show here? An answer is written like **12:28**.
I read **12:31**
